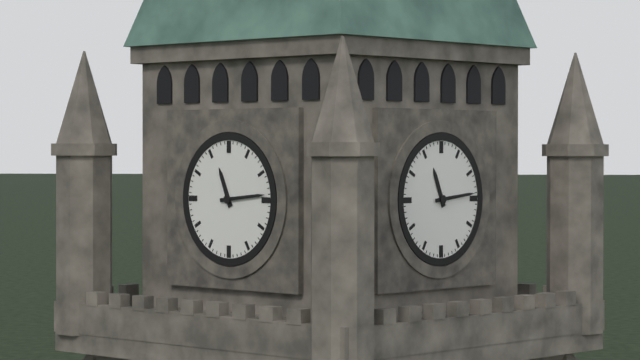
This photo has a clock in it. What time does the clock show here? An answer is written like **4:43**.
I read **11:14**
